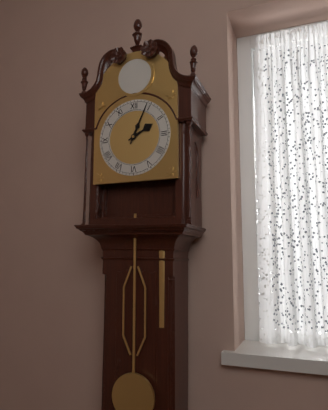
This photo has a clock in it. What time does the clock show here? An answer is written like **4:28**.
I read **2:04**
